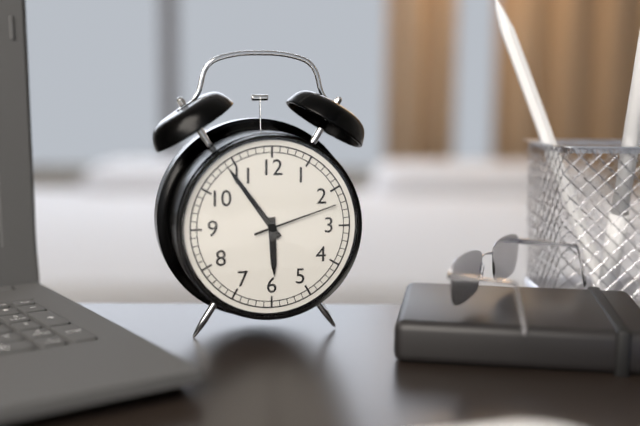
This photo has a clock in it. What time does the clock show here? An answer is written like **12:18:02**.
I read **5:54:12**
